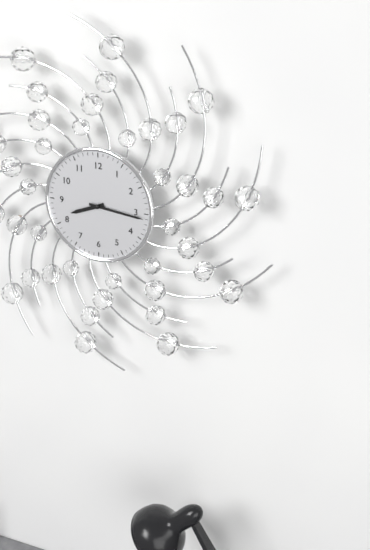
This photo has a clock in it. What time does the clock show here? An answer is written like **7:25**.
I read **8:16**
